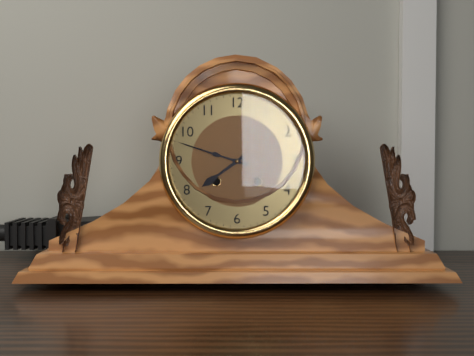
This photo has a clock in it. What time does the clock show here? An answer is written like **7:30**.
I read **7:48**
